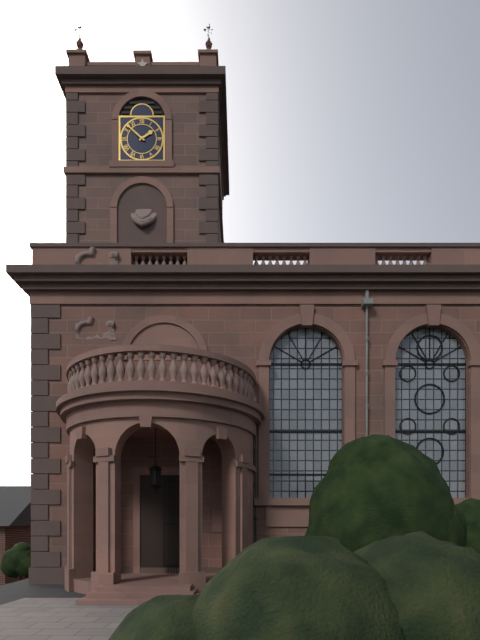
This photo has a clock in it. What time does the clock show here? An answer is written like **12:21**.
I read **1:52**
